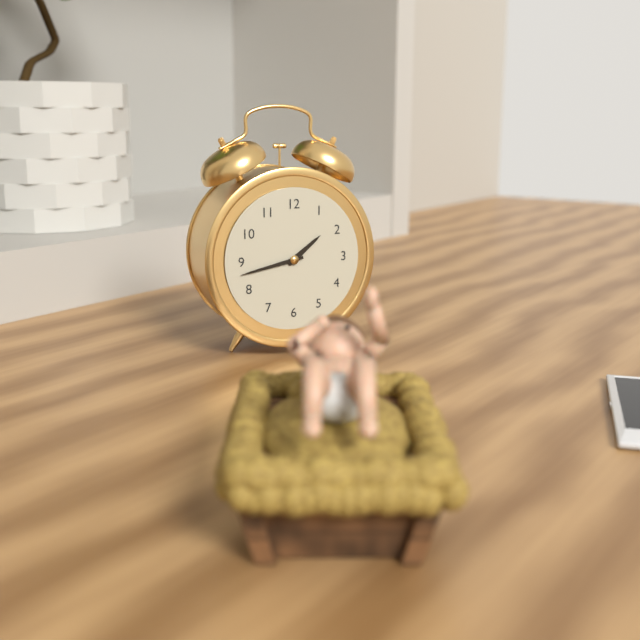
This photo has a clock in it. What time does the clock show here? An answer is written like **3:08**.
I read **1:43**
